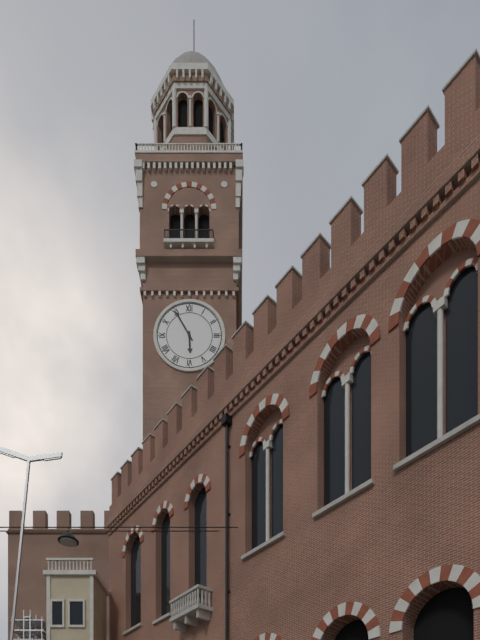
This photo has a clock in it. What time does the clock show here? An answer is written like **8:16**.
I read **5:55**
